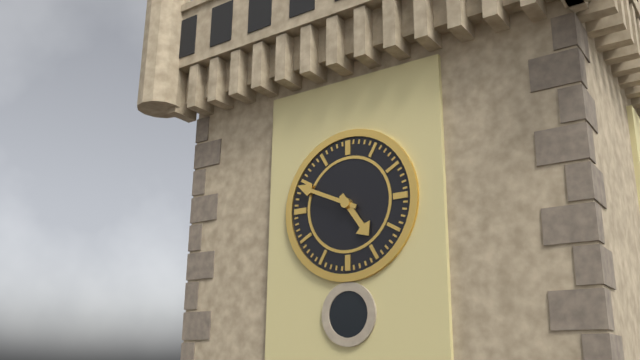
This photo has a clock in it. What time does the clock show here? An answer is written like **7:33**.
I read **4:49**
